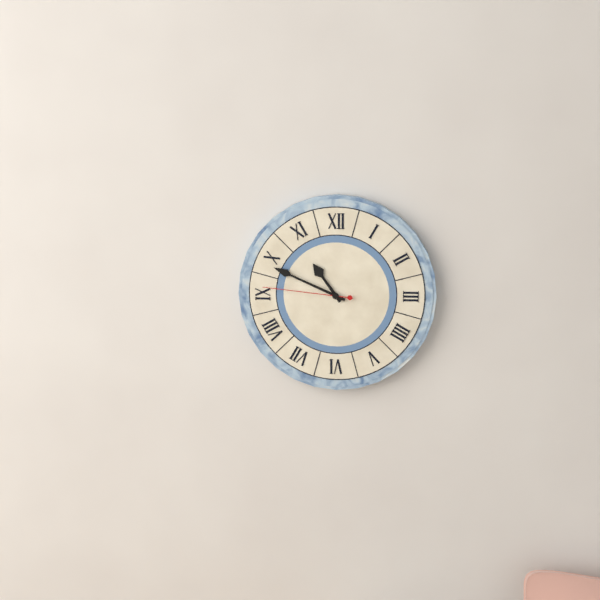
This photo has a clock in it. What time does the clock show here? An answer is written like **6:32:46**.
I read **10:49:46**
